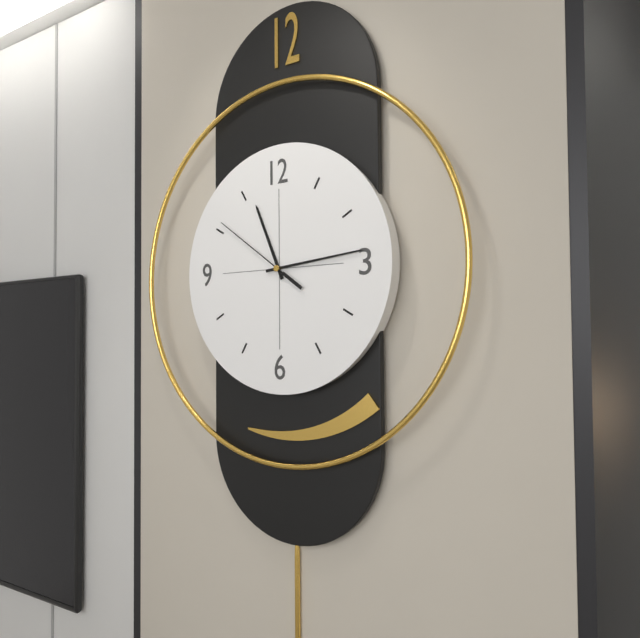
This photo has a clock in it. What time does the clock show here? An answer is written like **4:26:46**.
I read **11:14:51**
